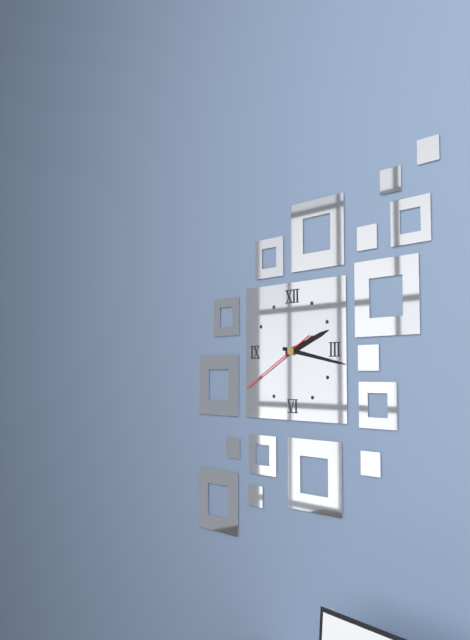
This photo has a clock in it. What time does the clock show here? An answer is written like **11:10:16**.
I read **2:17:40**
